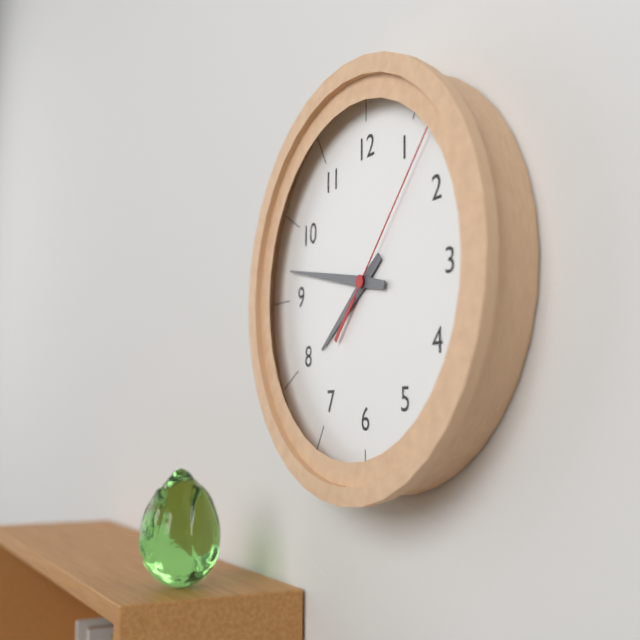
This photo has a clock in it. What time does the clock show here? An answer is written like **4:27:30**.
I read **7:47:07**
